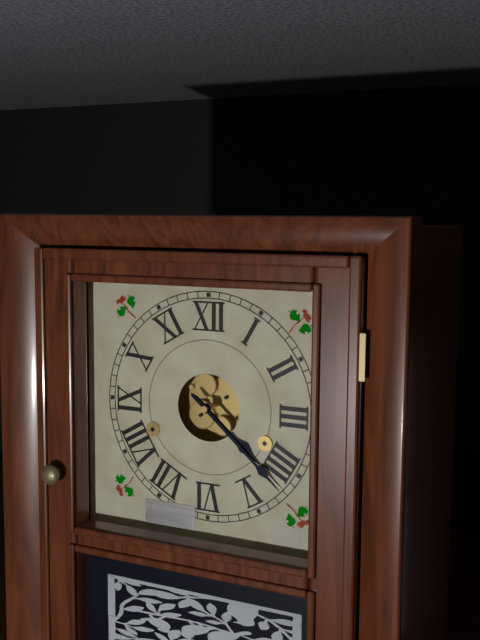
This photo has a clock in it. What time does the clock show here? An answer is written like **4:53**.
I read **4:22**
